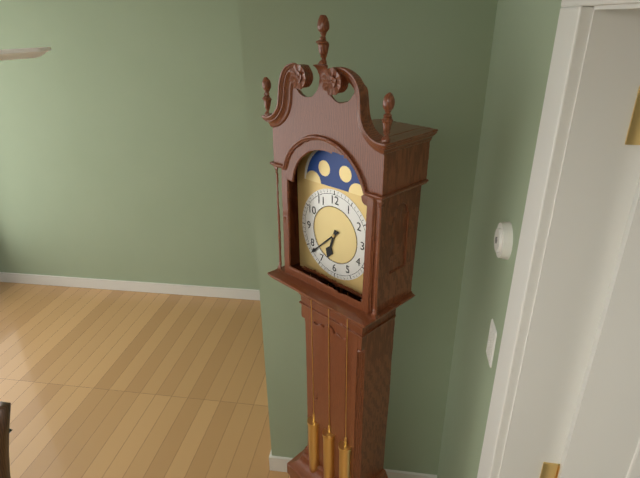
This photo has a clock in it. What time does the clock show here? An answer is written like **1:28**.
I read **6:38**
